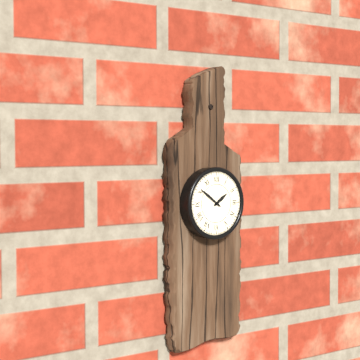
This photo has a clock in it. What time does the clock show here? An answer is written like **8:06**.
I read **1:51**
